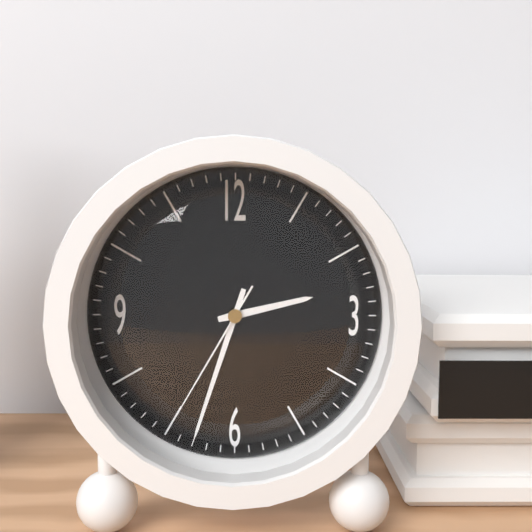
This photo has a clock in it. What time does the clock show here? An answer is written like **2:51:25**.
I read **2:33:35**
